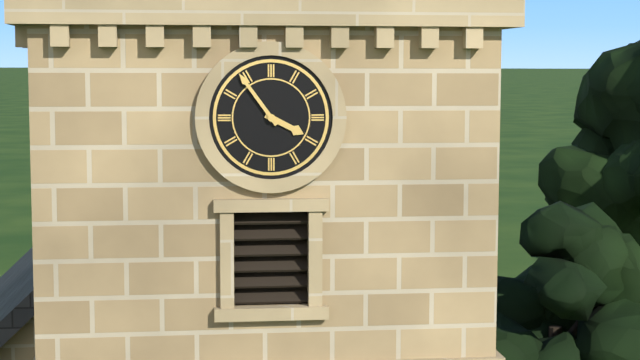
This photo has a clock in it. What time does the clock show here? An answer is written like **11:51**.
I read **3:54**
